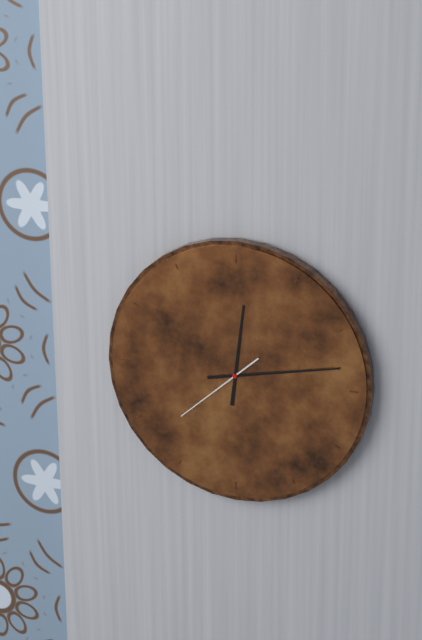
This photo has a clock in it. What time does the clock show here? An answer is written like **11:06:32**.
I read **12:13:38**
